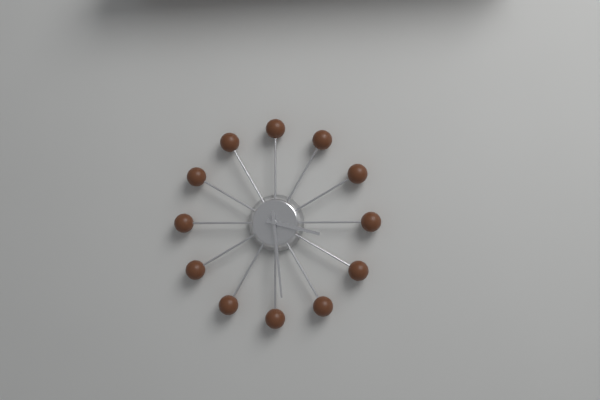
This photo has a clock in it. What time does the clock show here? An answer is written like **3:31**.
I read **3:29**
